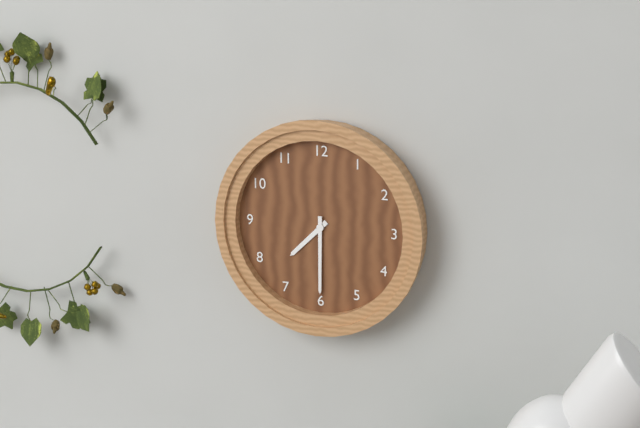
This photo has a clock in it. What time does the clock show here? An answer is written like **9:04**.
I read **7:30**
